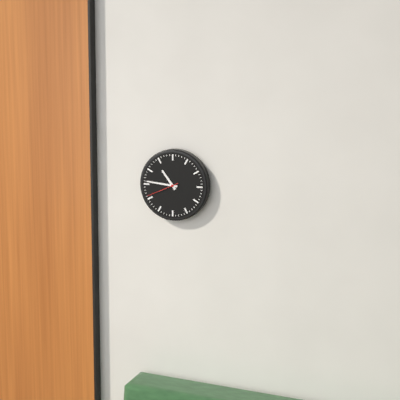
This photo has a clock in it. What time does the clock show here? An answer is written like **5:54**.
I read **10:46**
